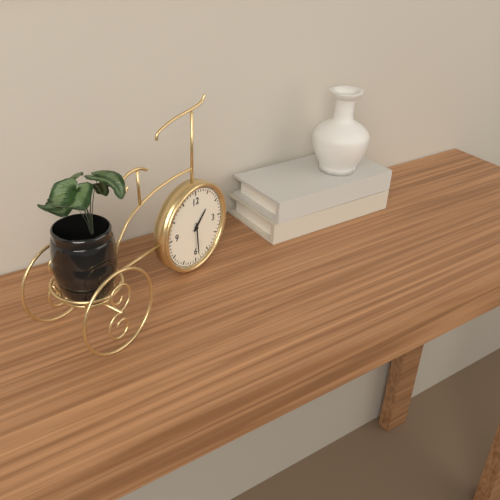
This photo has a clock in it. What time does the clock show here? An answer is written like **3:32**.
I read **1:29**
